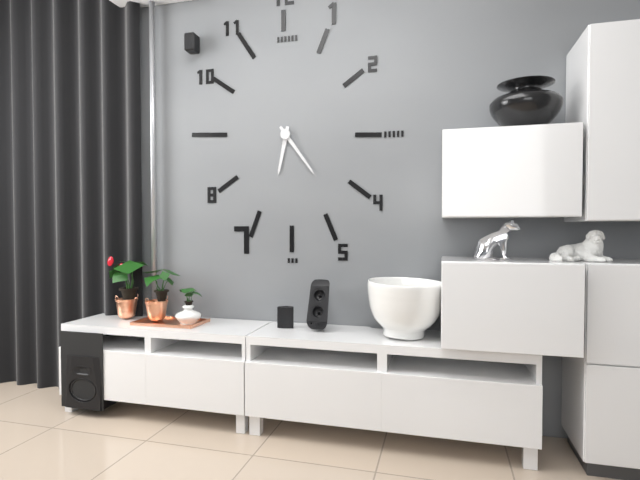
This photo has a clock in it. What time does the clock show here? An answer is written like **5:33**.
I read **6:24**
